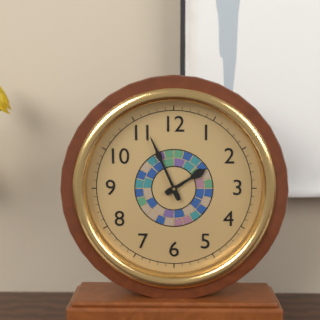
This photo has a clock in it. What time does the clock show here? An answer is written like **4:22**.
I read **1:56**
